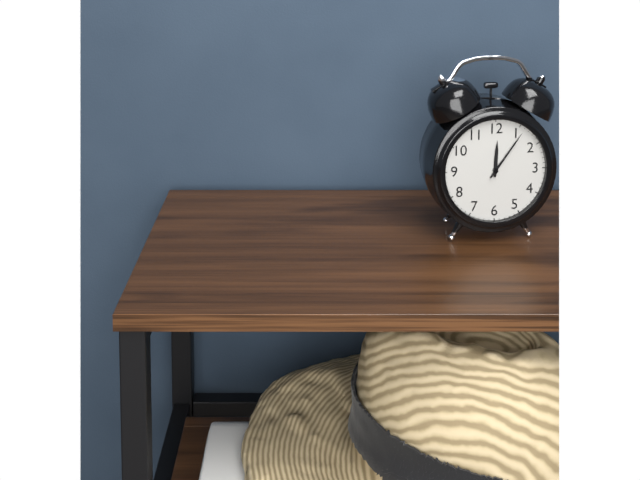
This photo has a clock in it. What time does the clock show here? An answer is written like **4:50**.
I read **12:06**
